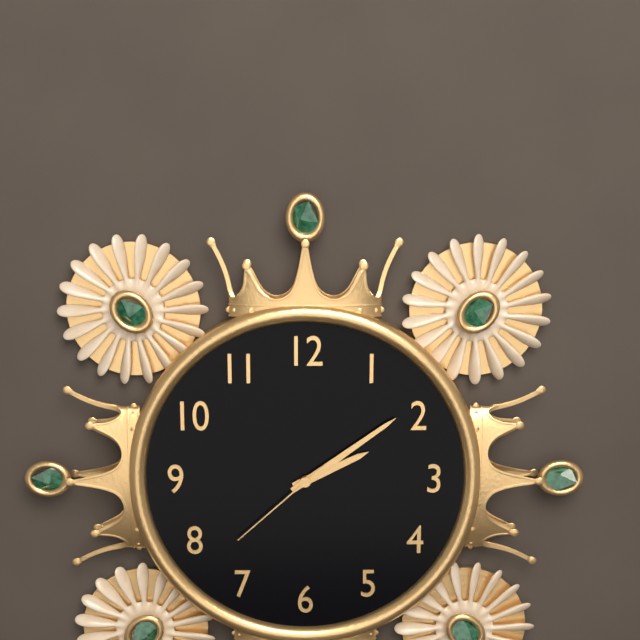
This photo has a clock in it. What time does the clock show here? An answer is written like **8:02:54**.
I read **2:09:38**
